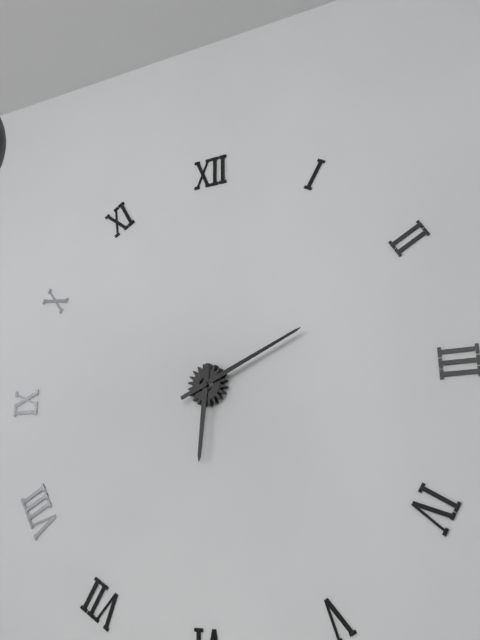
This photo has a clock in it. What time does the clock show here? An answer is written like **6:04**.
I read **6:11**
